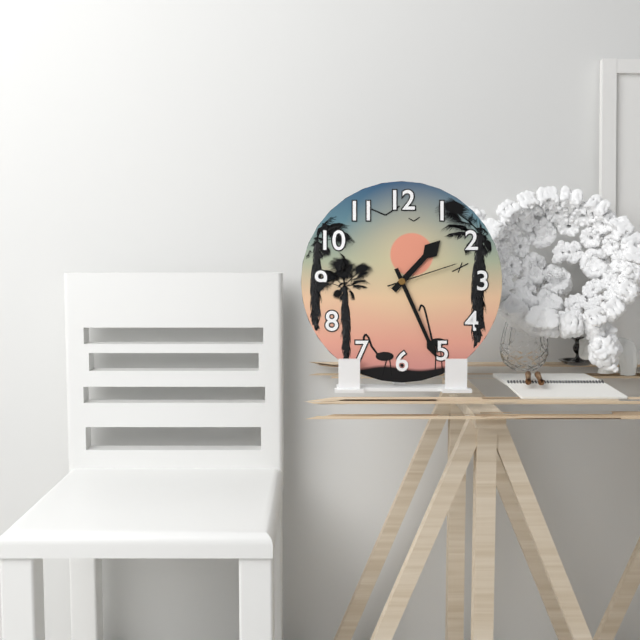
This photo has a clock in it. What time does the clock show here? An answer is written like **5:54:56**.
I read **1:26:12**
